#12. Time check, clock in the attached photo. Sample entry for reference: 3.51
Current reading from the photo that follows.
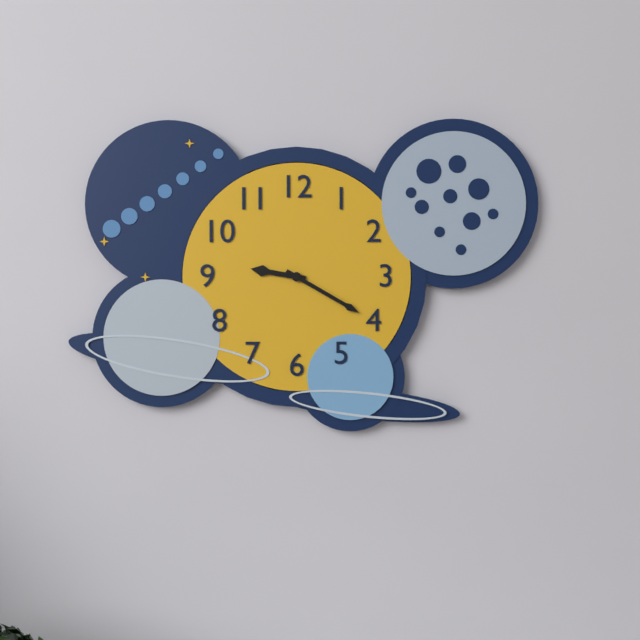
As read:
9.20
